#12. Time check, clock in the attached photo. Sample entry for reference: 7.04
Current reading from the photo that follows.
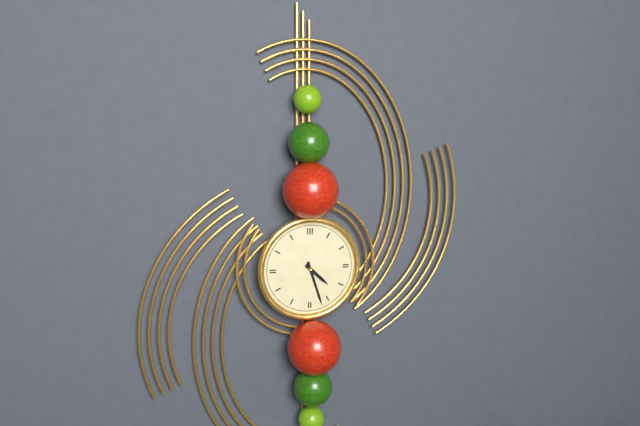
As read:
4.27
